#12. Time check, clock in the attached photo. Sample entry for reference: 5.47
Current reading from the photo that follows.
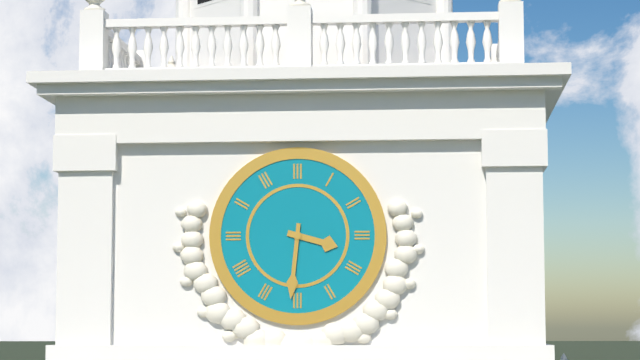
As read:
3.31
